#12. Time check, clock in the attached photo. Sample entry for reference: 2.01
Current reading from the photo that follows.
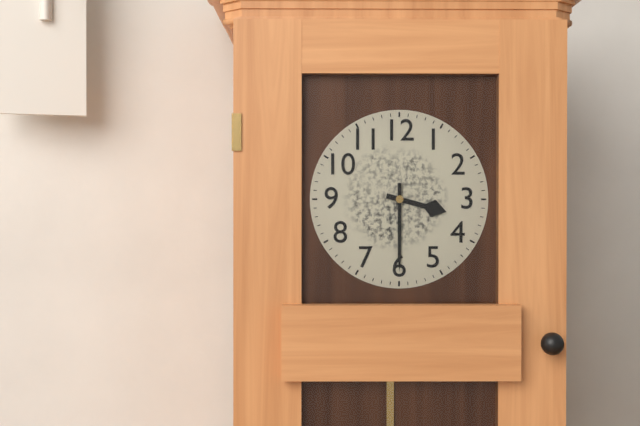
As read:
3.30
